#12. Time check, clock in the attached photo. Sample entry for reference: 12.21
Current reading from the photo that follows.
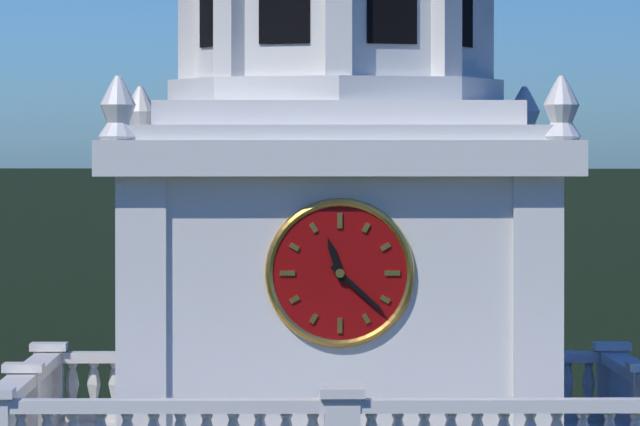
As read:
11.22
